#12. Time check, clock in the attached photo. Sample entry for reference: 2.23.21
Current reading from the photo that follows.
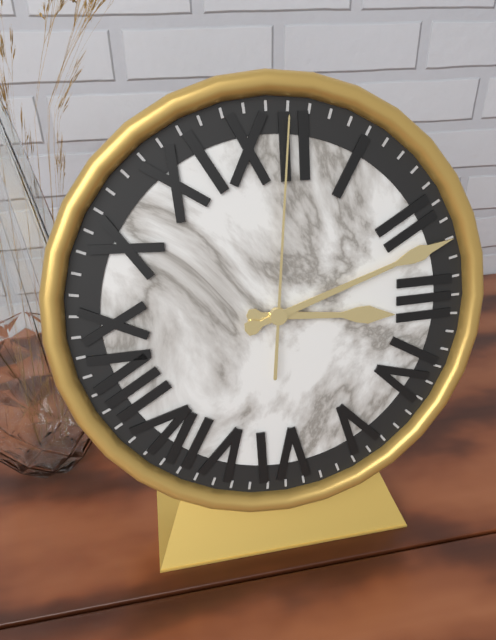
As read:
3.12.01
